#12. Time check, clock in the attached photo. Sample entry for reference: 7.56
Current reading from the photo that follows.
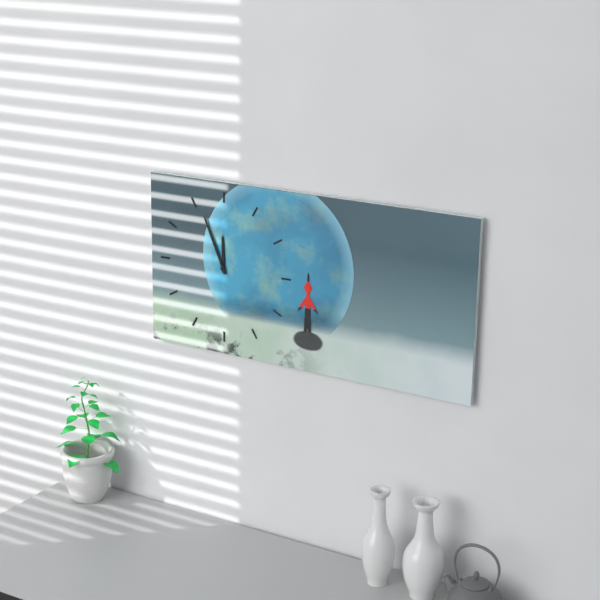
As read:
11.56
